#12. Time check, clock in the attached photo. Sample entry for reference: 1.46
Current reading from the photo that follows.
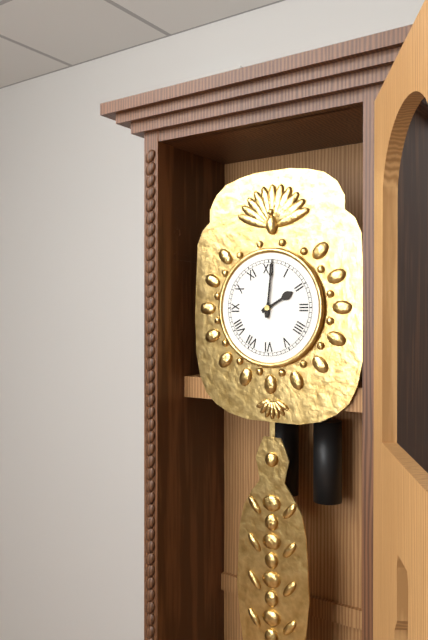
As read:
2.01
